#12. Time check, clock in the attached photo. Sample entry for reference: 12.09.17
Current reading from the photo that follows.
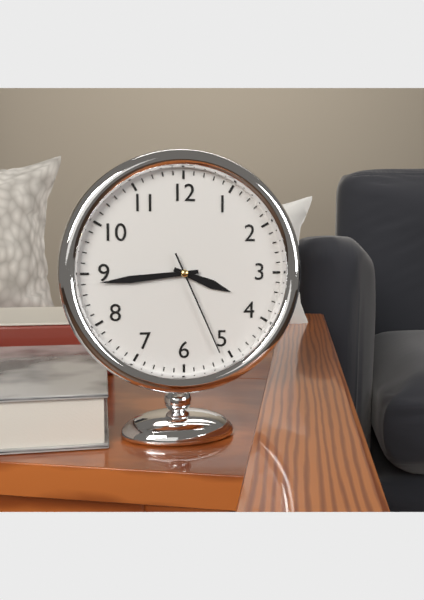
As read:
3.44.26
